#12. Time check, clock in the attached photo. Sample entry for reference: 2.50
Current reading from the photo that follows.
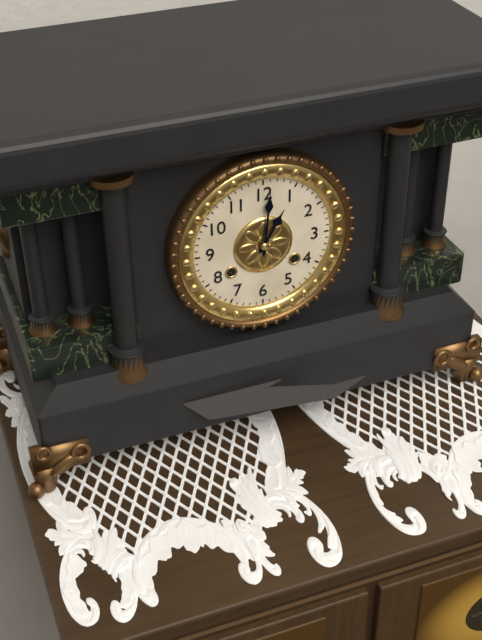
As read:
1.01
